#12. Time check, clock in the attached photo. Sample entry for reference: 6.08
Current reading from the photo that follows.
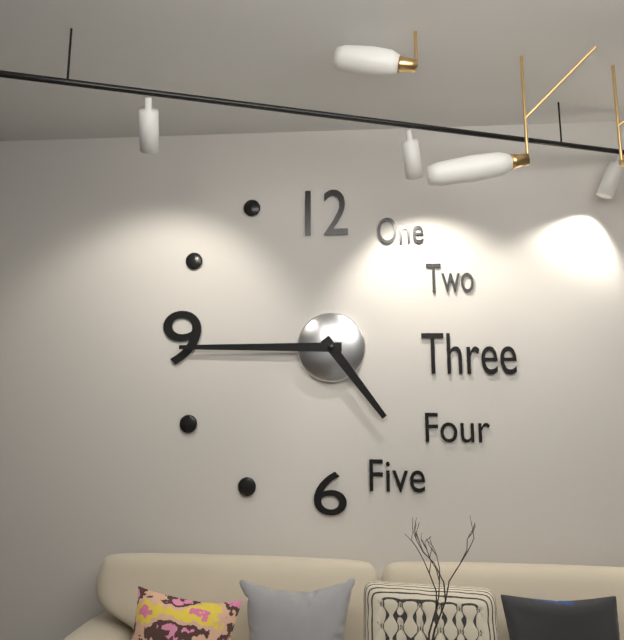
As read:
4.45
